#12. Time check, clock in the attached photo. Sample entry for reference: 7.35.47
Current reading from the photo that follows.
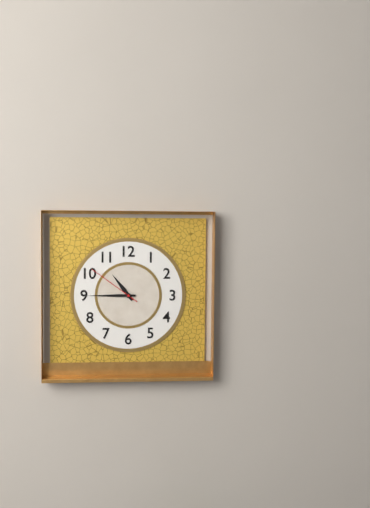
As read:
10.45.51
